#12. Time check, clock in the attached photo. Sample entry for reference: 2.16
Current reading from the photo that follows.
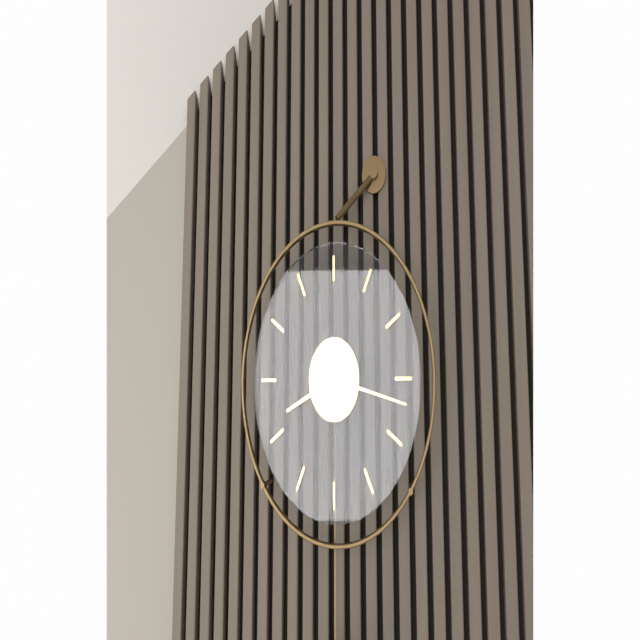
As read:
8.17
